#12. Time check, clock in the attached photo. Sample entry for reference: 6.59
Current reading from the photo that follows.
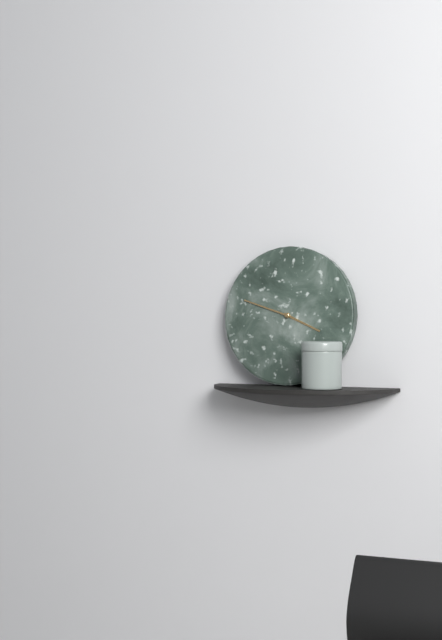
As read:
3.48
